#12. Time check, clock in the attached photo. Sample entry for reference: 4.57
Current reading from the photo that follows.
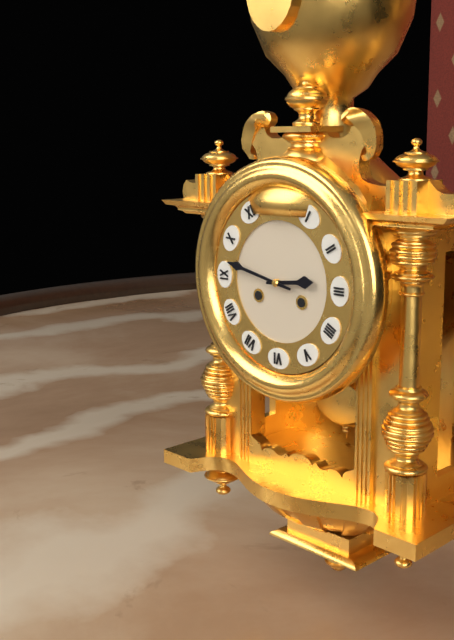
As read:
2.47
